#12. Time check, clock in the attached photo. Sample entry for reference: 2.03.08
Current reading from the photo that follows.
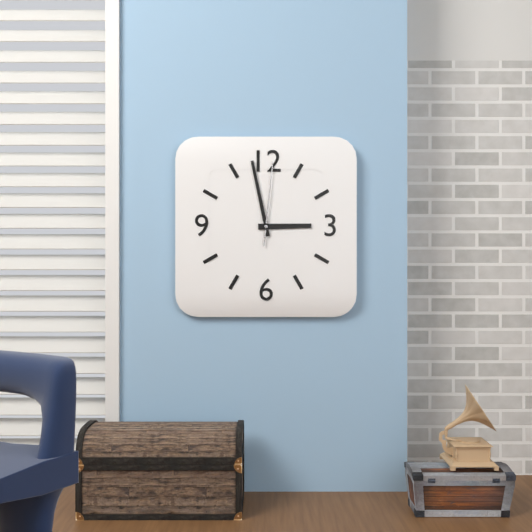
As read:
2.58.01
